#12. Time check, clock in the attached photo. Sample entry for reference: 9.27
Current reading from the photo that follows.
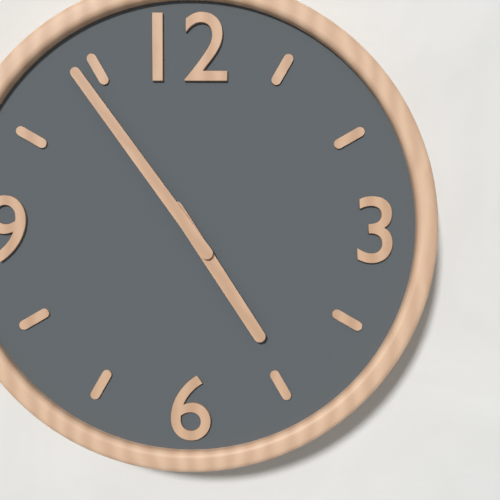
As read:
4.54
